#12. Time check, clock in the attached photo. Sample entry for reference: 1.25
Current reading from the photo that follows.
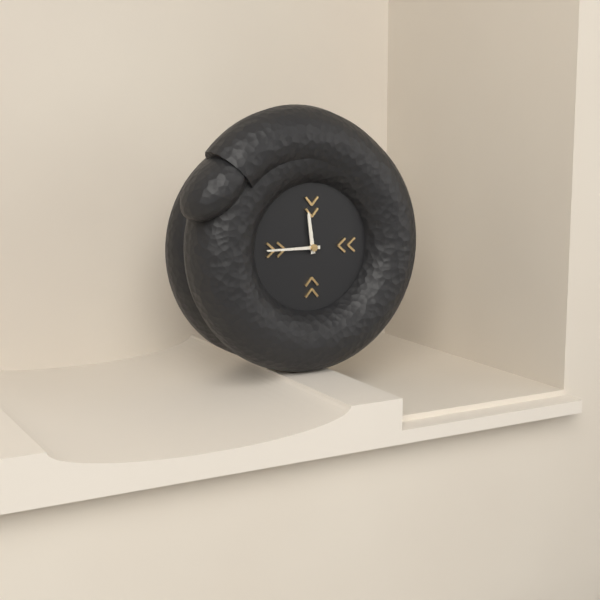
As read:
11.45
